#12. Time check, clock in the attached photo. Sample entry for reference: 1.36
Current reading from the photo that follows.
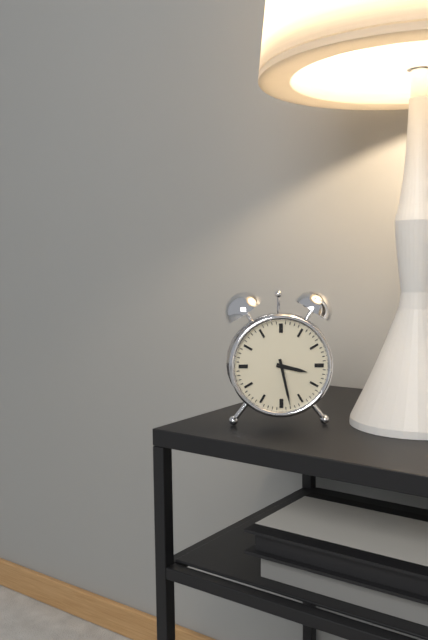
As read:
3.28
